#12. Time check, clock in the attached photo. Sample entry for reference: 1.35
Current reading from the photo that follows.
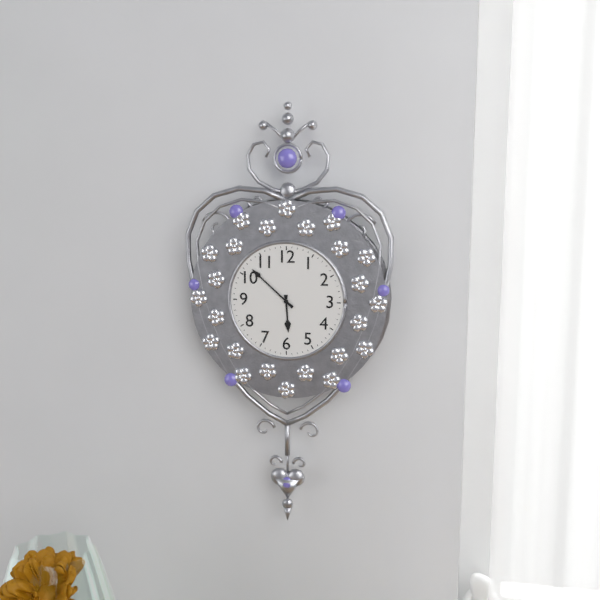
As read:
5.52
